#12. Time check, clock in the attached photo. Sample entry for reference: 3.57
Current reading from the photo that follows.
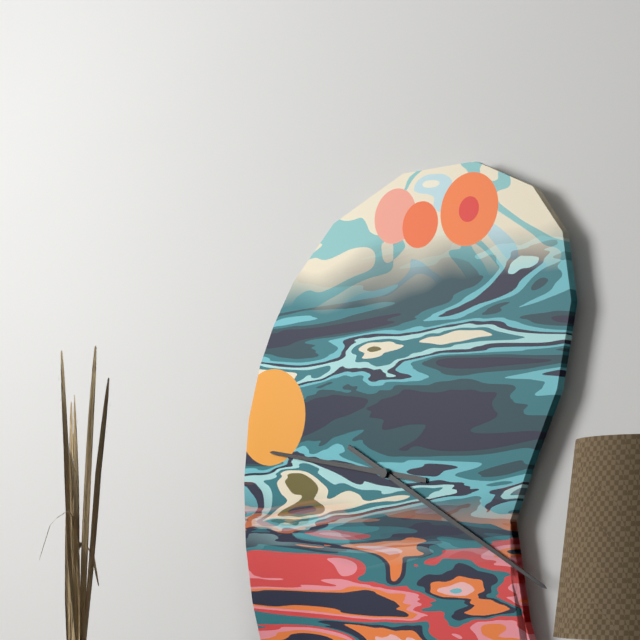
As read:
9.20
